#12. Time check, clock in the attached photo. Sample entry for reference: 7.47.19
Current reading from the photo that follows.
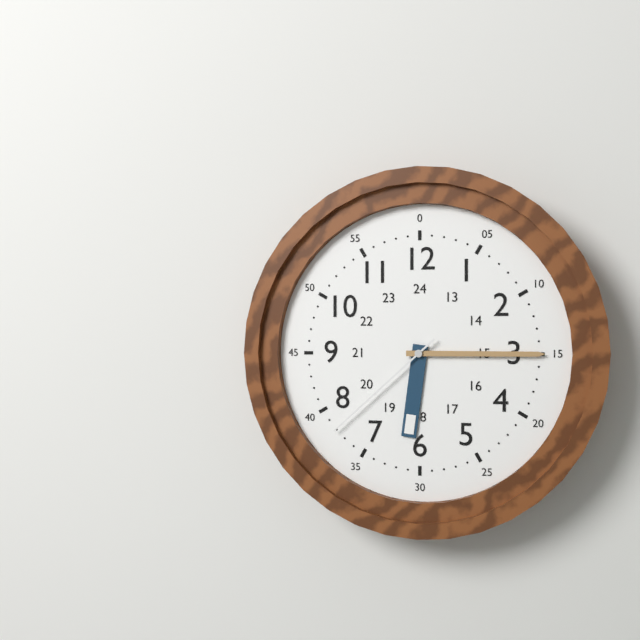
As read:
6.15.38
